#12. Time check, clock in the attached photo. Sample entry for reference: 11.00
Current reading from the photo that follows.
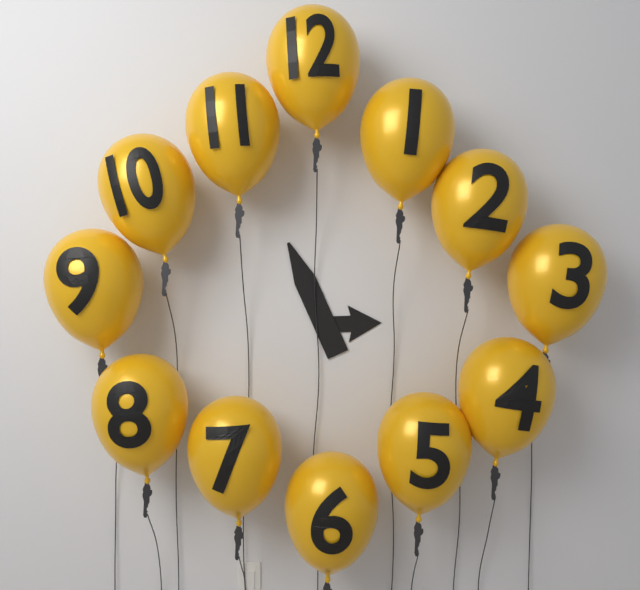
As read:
2.56
